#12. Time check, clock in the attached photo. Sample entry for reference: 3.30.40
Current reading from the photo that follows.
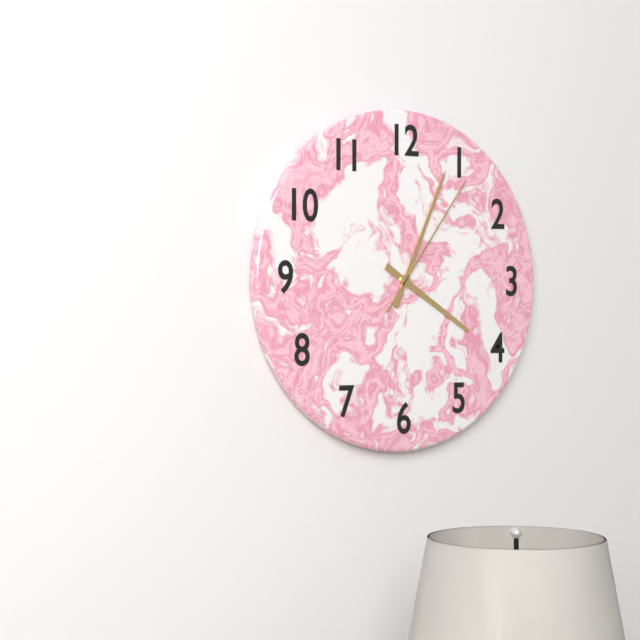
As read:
4.04.06
